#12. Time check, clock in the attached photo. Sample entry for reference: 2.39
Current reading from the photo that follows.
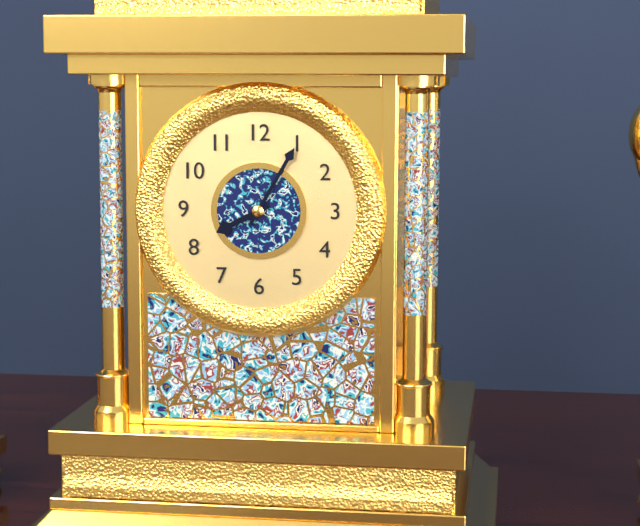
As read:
8.05
